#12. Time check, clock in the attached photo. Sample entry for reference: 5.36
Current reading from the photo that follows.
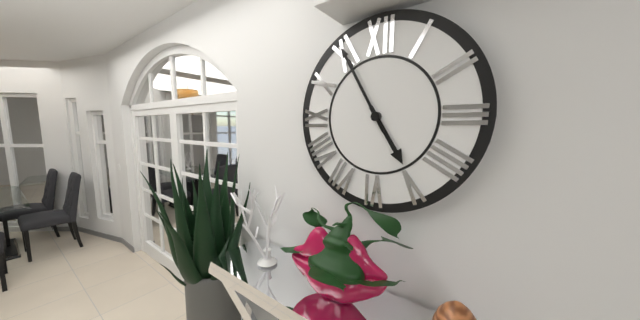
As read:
4.55
